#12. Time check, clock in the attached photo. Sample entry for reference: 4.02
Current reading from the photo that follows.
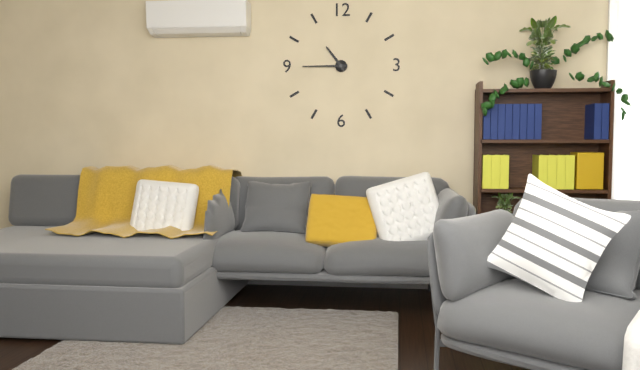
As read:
10.45
